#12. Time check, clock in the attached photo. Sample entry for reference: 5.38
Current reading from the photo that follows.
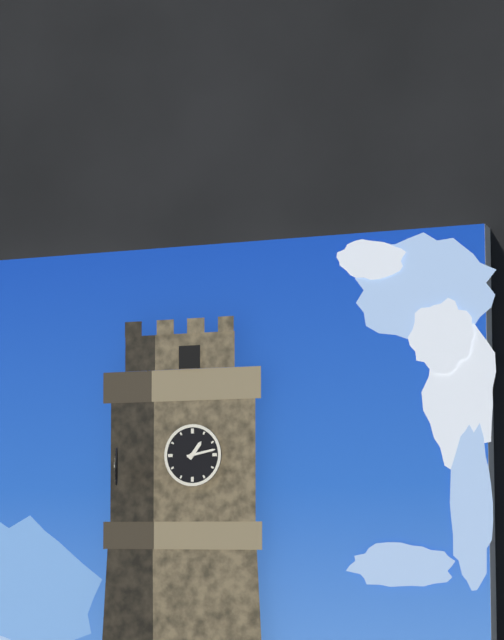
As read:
1.13
